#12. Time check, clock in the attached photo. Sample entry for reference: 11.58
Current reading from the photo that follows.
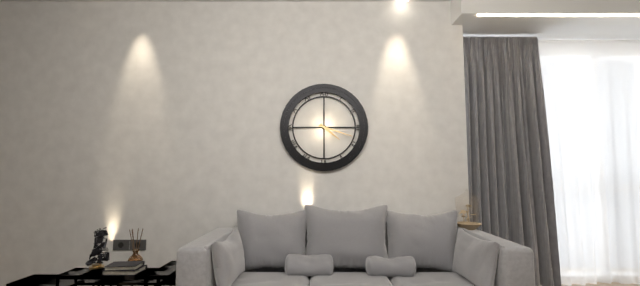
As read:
4.18
